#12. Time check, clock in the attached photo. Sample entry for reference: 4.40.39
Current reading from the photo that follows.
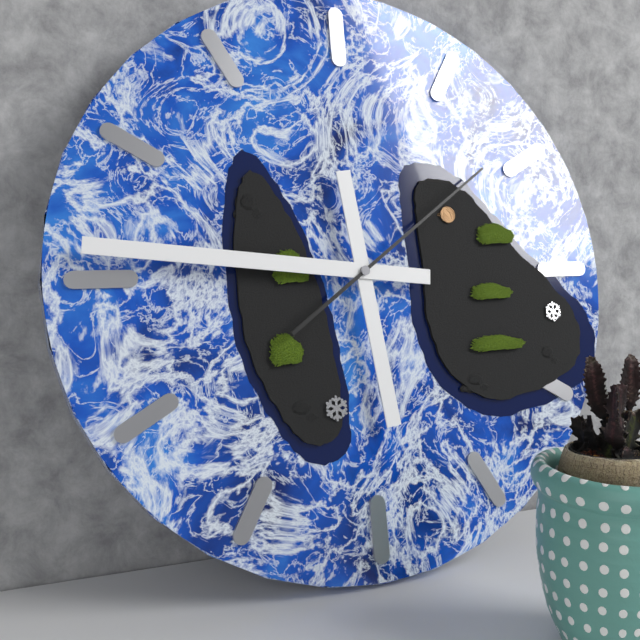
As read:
5.46.09
